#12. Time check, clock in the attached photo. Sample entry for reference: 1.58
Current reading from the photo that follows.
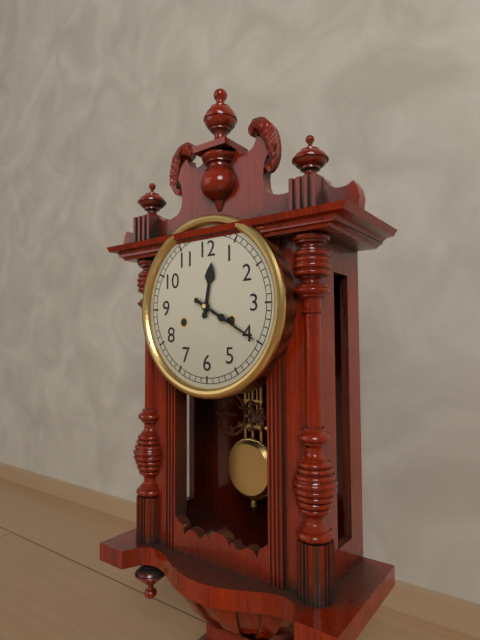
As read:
12.20
